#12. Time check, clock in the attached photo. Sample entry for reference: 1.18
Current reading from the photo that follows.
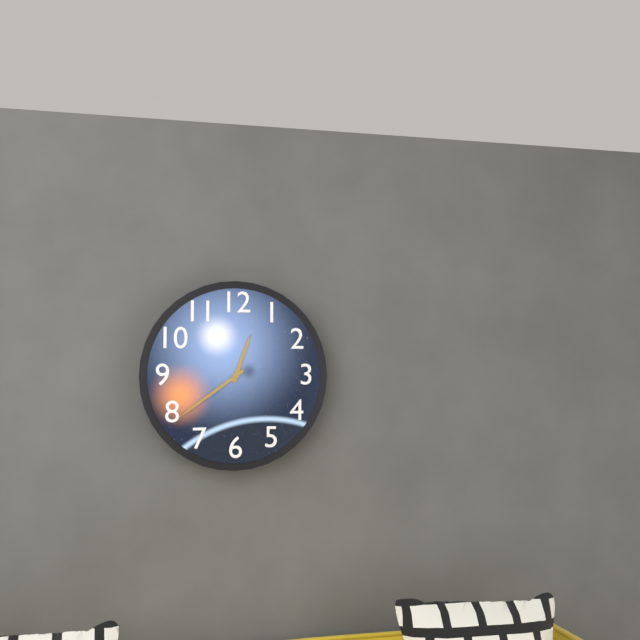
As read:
12.39
